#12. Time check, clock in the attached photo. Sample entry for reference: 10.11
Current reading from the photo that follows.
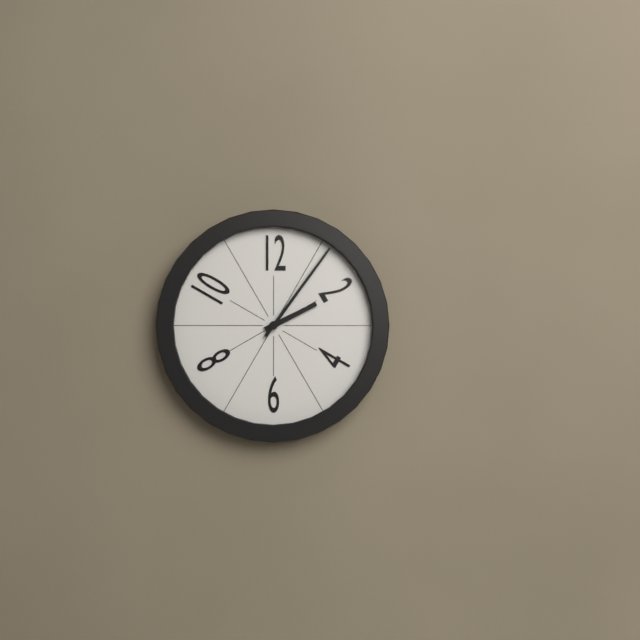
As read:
2.06
